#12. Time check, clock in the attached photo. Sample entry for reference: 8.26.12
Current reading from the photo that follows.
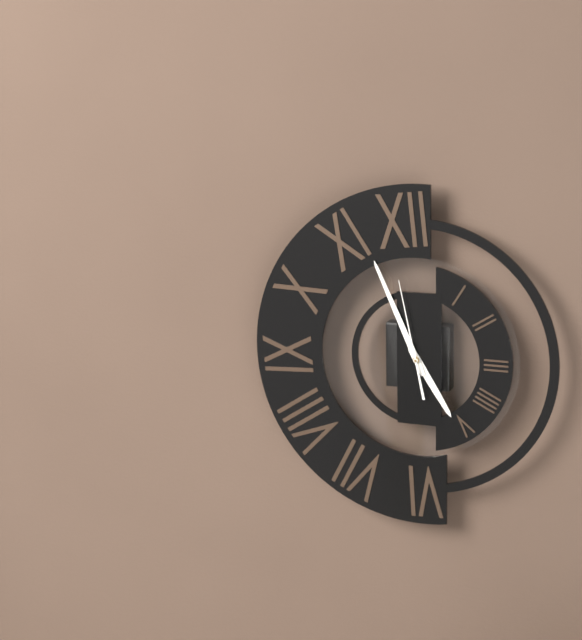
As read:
4.56.58
